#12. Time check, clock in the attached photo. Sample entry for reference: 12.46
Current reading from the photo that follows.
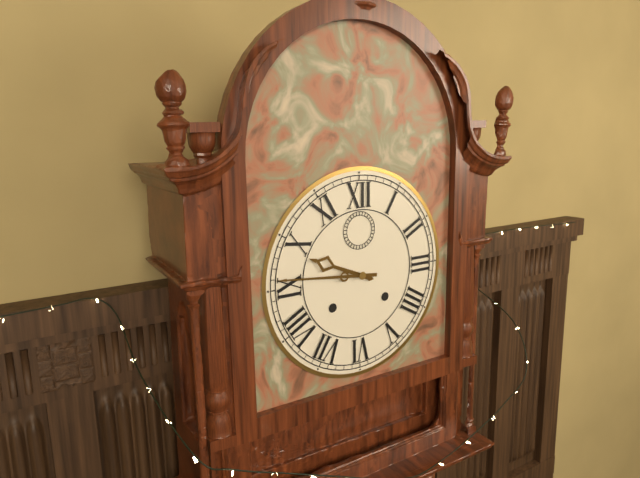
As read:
9.46
